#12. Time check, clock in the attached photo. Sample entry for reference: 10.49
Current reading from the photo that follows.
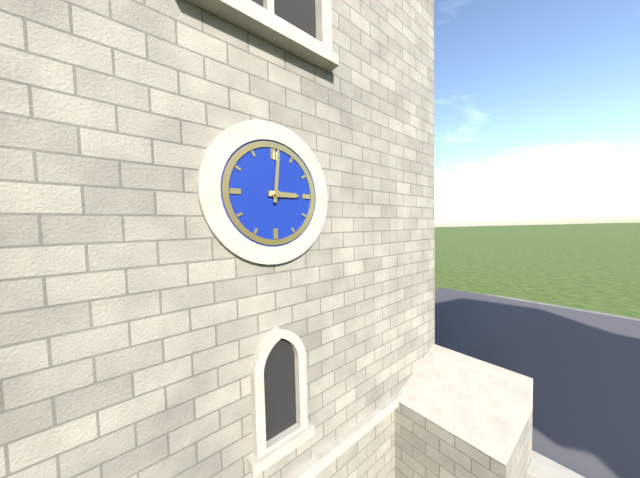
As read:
3.01
